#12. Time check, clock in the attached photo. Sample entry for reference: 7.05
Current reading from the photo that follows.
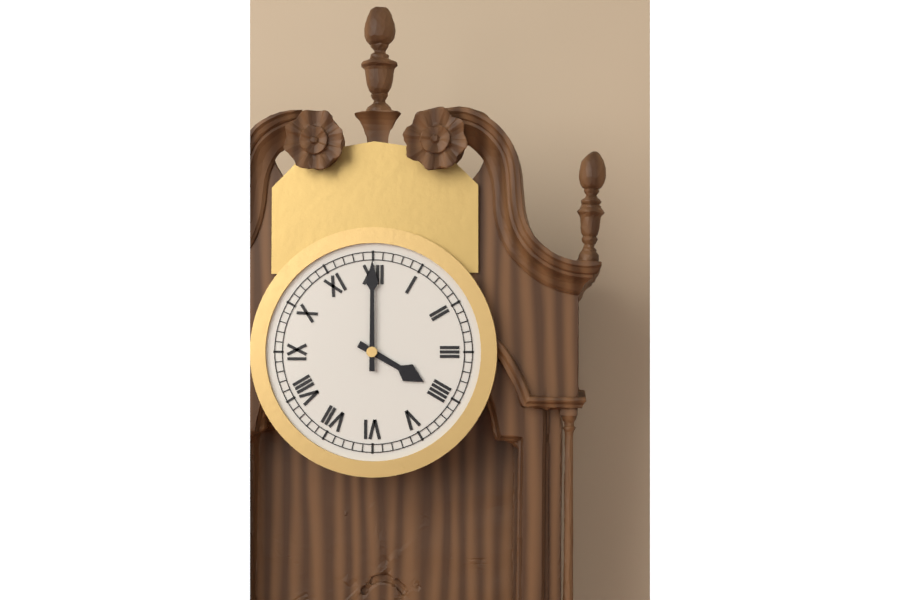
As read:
4.00
